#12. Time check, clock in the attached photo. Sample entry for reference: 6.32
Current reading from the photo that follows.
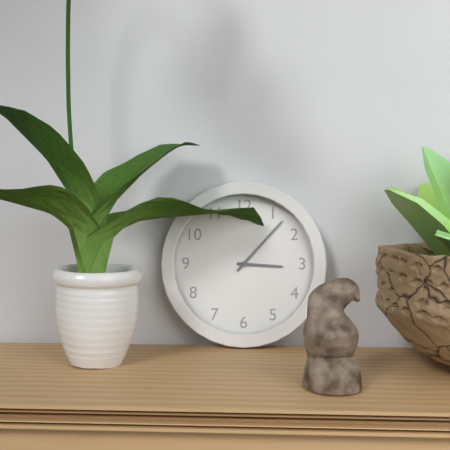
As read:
3.07
